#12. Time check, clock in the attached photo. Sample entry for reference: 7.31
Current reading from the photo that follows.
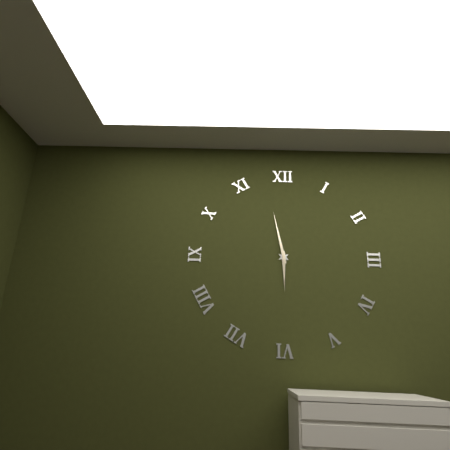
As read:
5.58
